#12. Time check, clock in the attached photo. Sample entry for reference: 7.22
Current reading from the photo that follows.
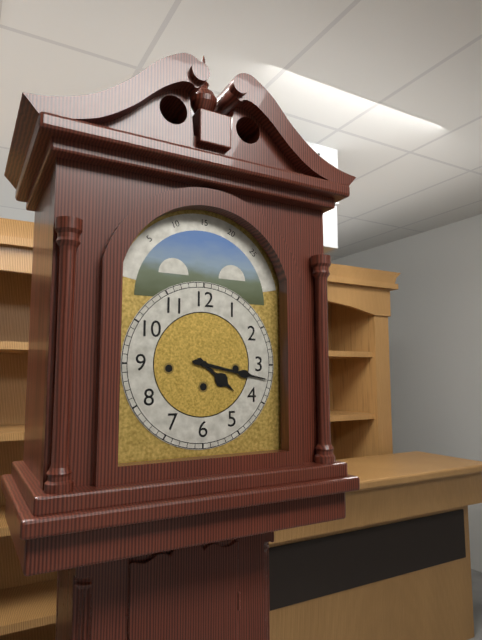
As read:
4.17
